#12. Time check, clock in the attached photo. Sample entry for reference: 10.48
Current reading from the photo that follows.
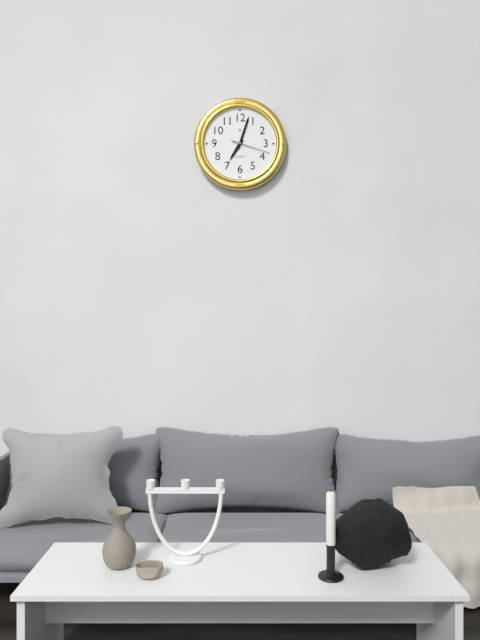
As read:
7.03
